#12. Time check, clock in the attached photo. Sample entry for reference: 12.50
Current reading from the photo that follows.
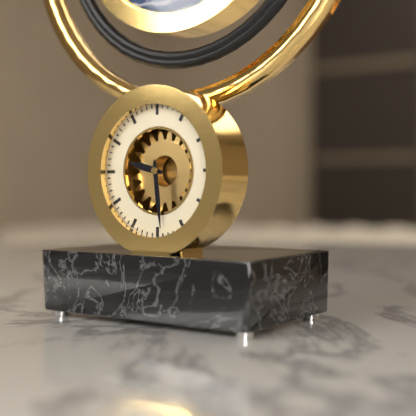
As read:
9.29
